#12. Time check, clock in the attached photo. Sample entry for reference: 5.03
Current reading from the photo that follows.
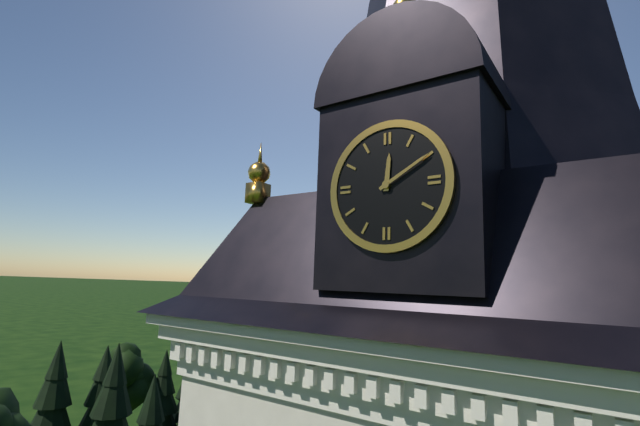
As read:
12.10
